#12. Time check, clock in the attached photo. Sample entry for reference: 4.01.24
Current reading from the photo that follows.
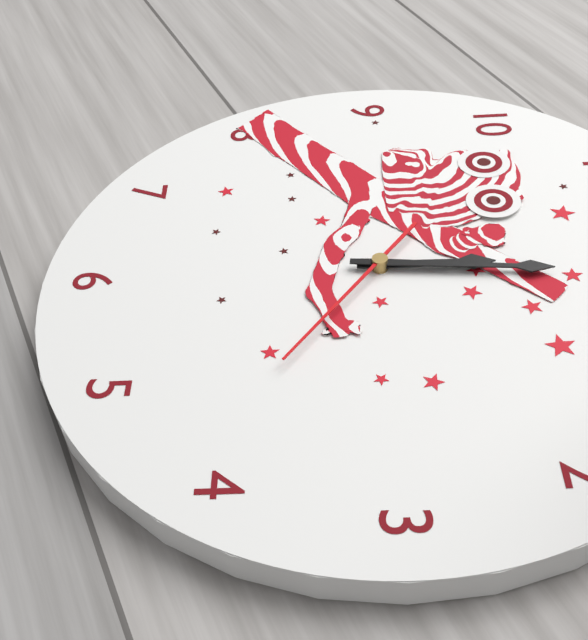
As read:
12.01.21
